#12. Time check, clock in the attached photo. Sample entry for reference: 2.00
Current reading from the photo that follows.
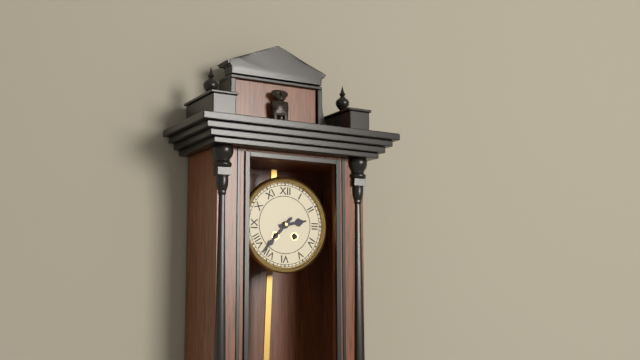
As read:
2.37
